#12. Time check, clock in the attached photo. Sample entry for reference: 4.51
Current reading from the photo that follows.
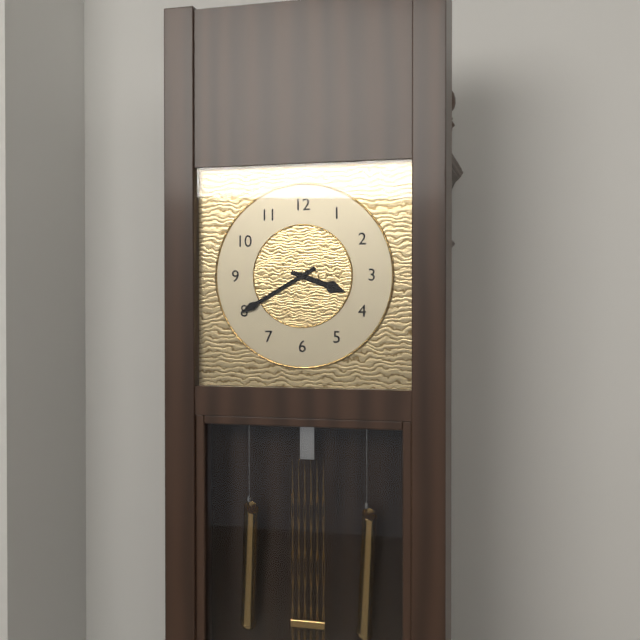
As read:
3.40
